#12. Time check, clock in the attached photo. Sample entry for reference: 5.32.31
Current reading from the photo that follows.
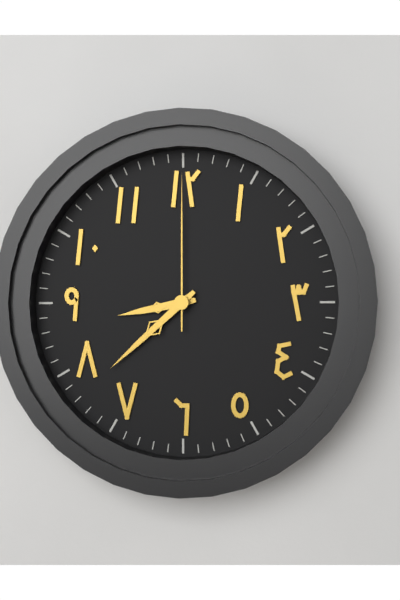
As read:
8.38.00
